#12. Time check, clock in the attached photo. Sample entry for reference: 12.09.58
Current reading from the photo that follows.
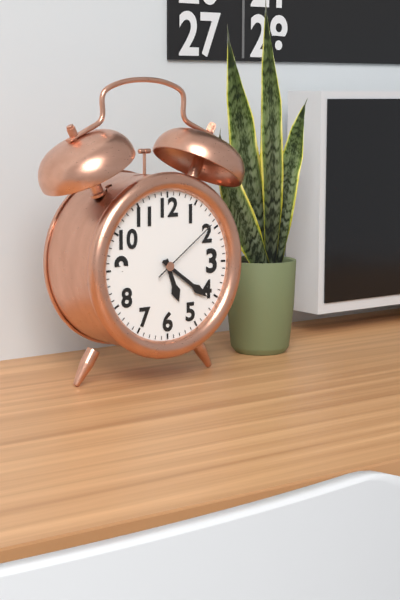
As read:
5.21.09
